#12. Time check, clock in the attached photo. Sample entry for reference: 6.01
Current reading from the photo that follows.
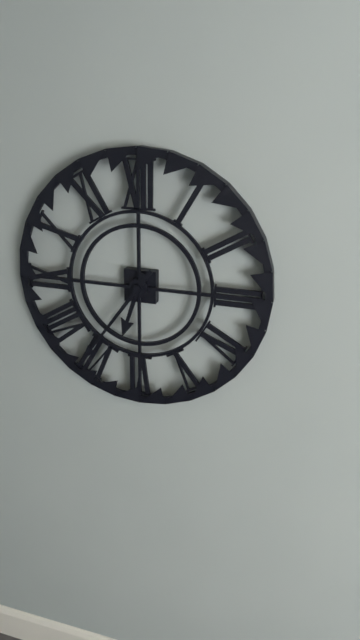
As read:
6.36
